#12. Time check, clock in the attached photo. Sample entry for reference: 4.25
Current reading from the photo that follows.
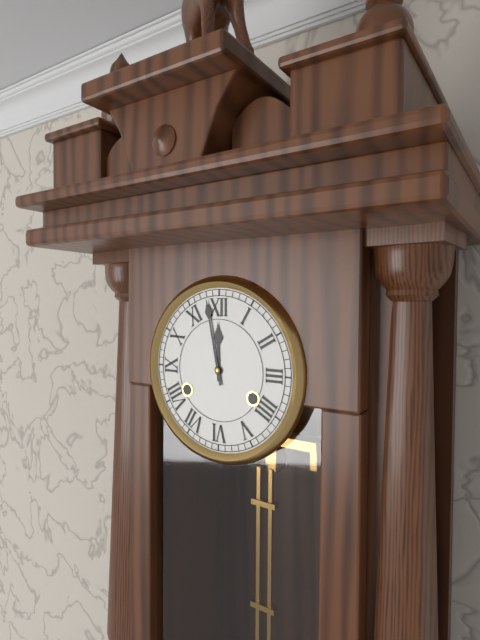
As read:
11.58
